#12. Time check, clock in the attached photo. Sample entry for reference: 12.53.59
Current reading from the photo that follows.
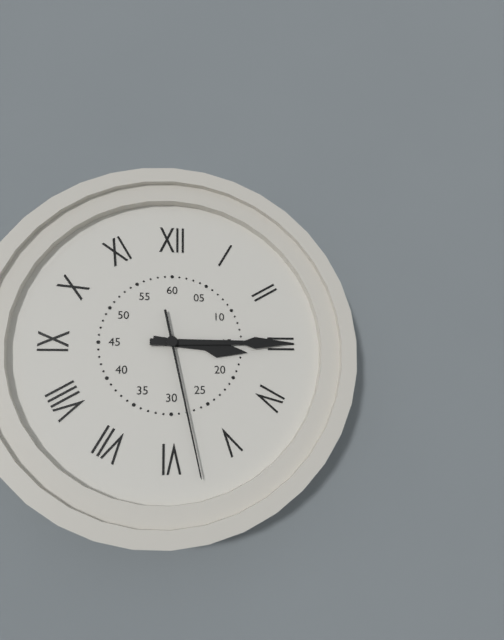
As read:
3.15.28
